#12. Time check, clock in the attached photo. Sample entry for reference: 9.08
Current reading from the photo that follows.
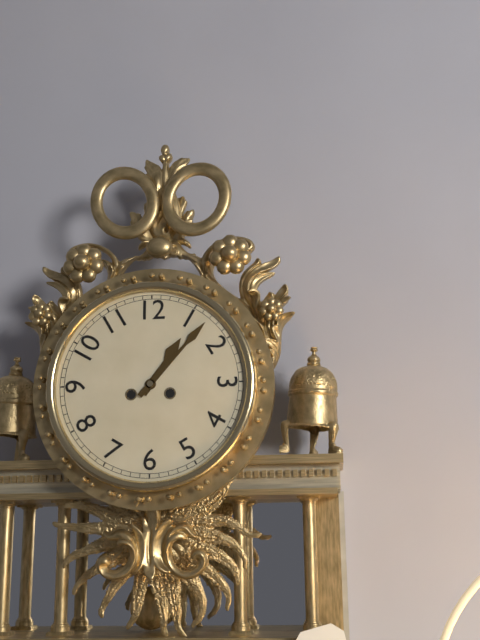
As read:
1.07
